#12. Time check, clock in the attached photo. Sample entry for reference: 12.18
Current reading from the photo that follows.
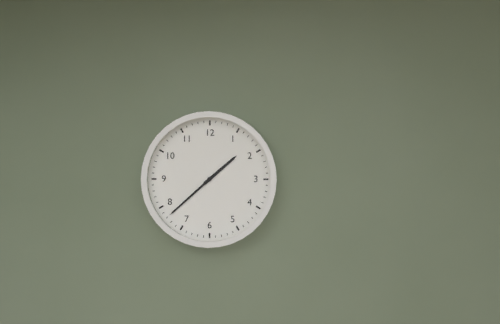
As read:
1.38
